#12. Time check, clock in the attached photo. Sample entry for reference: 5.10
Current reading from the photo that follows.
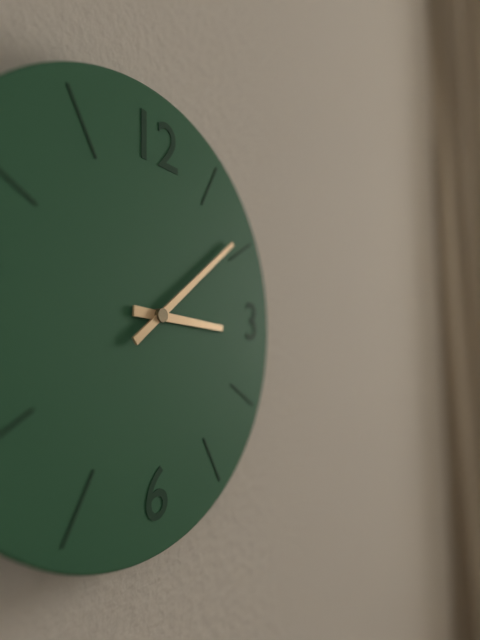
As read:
3.09
